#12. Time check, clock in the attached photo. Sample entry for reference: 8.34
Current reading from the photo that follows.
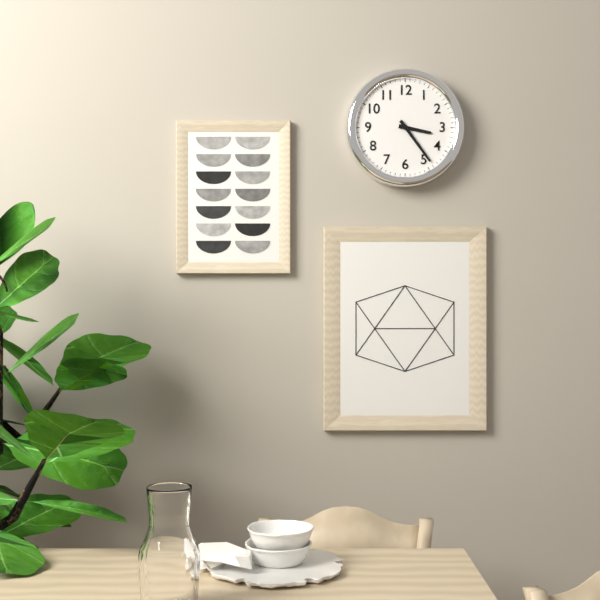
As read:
3.24
